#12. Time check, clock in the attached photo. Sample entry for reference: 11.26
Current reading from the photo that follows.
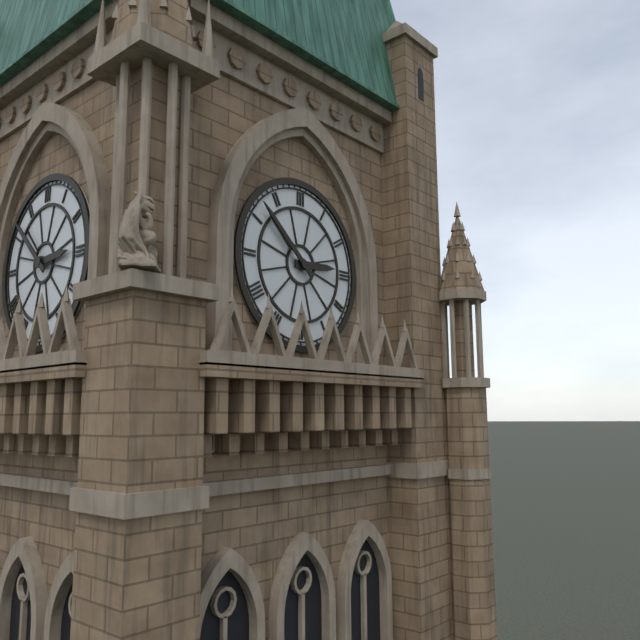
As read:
2.52
